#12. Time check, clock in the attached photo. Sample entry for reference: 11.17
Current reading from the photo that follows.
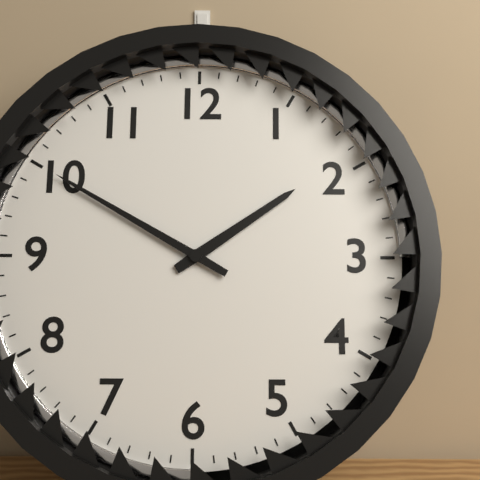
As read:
1.50
